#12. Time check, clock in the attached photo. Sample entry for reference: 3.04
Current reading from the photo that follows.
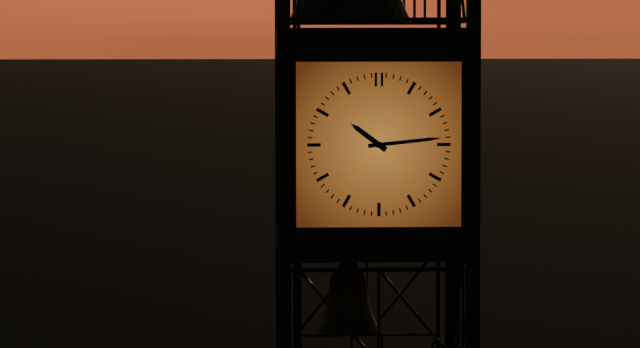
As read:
10.14
